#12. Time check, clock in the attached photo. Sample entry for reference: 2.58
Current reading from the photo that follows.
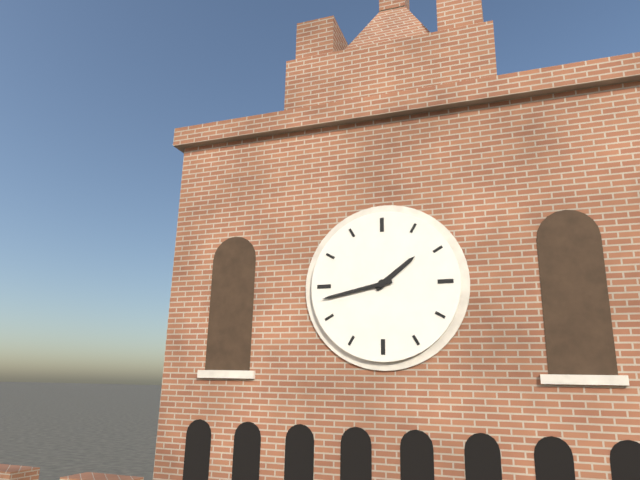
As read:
1.43
